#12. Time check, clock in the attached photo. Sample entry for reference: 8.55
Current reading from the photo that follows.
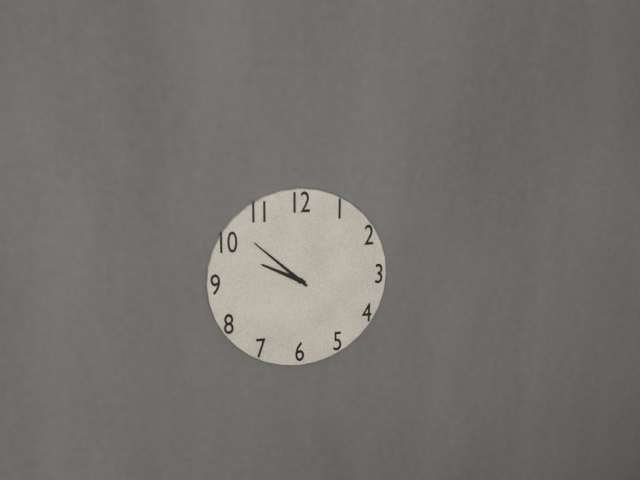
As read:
9.52
